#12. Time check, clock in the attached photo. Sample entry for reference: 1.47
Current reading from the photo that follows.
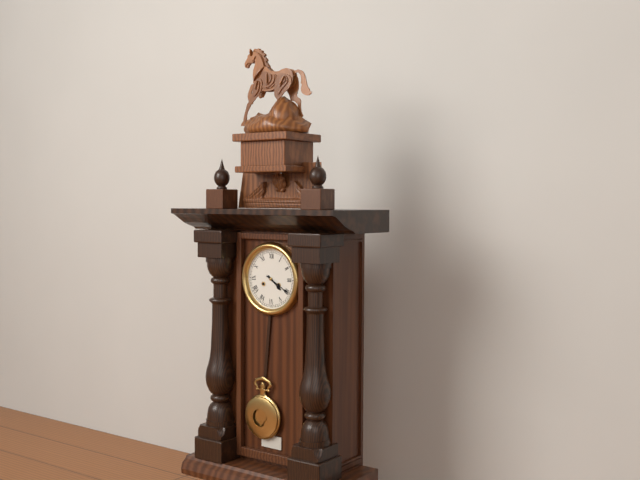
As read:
4.20
